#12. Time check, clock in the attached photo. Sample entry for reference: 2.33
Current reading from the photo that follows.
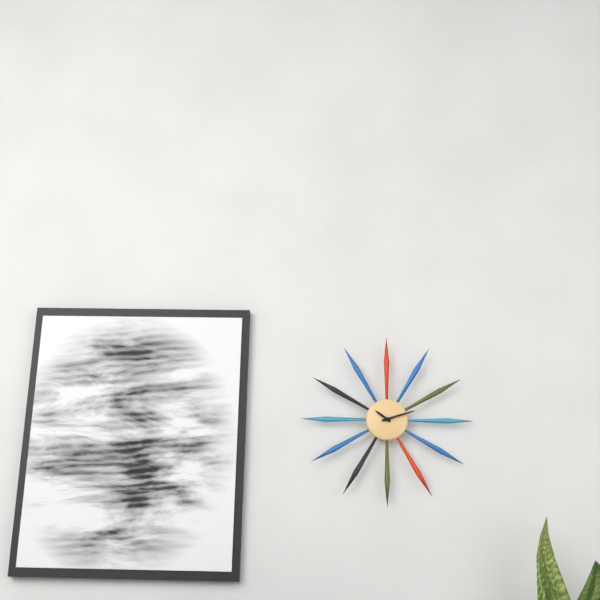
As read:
10.12
